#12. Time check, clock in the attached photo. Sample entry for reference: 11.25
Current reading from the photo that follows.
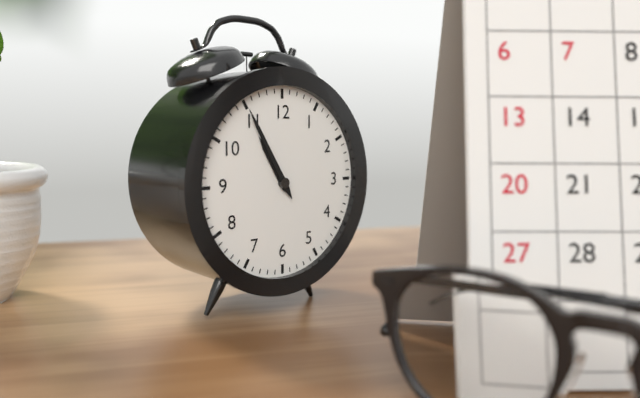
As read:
10.55
